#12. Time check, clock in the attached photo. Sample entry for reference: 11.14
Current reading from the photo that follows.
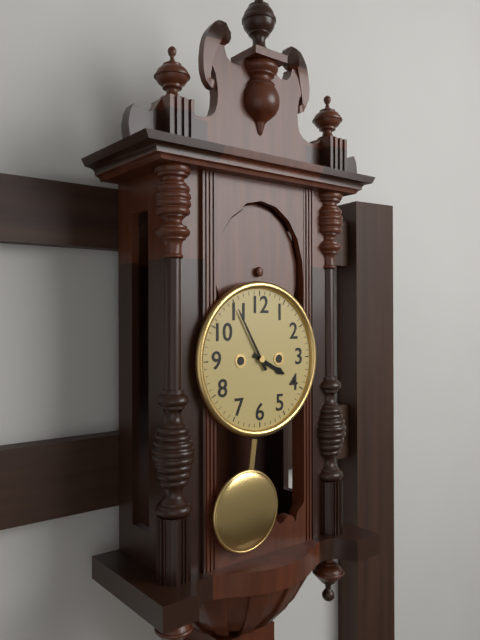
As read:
3.55
